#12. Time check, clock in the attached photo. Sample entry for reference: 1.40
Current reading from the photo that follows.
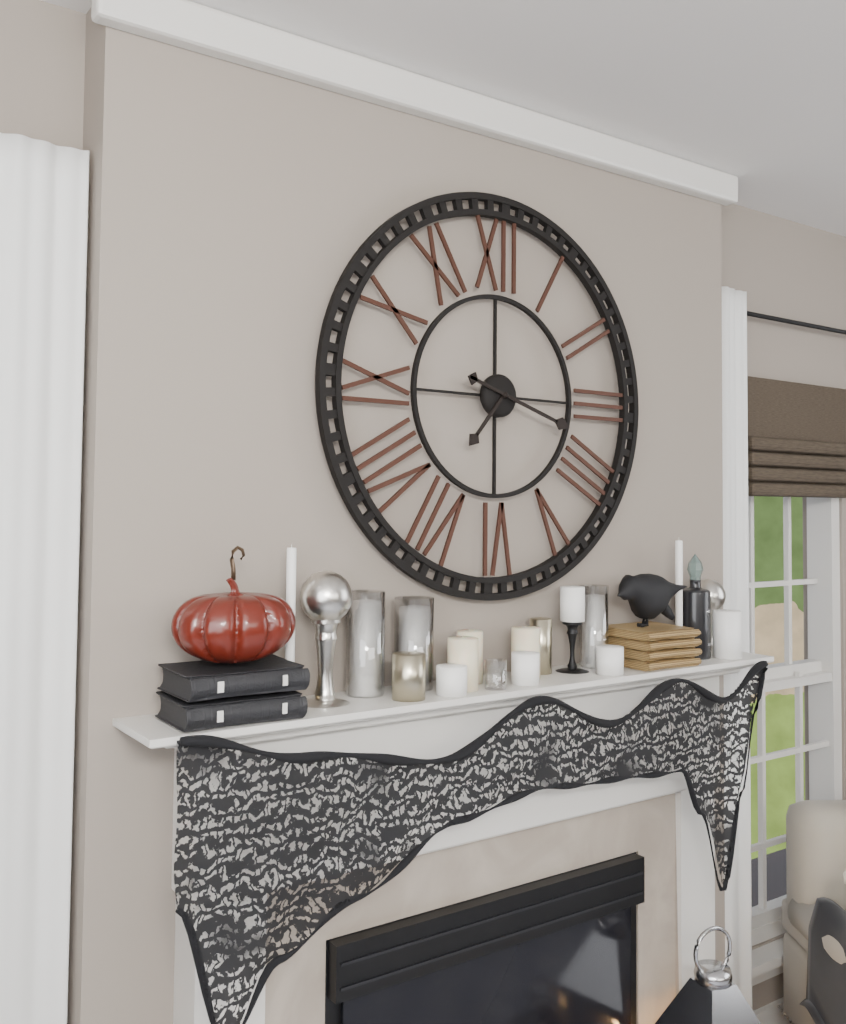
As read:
7.18
